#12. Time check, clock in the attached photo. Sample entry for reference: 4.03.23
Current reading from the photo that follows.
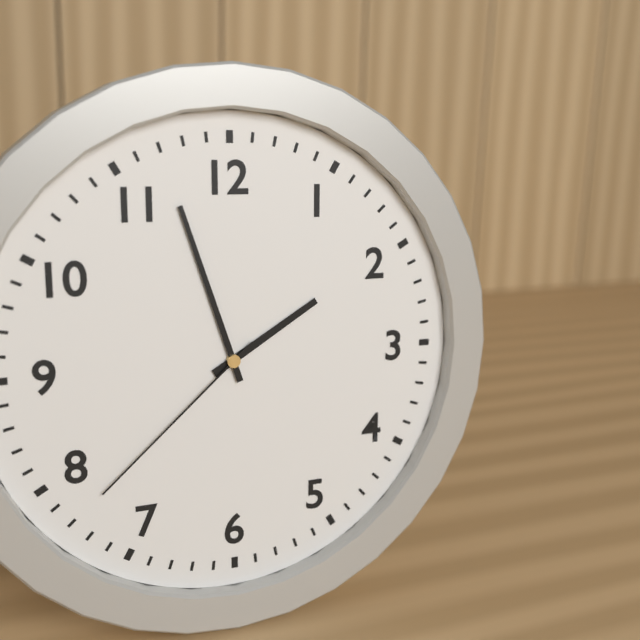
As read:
1.57.38
